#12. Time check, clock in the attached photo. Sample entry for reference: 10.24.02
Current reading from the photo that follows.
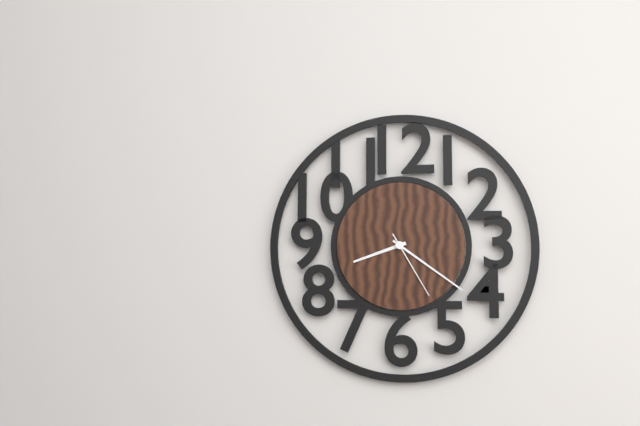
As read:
8.21.25
